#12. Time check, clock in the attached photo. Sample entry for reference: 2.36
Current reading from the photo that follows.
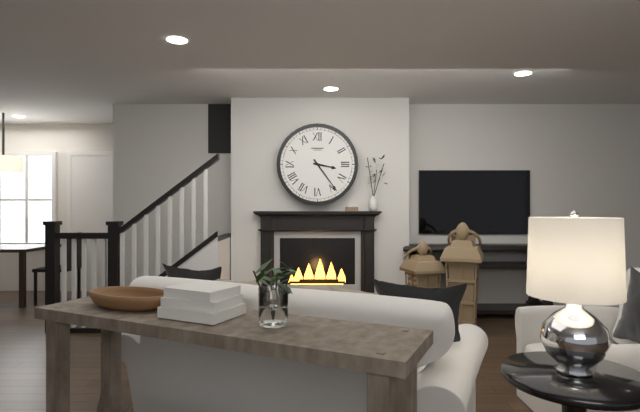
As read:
3.24
